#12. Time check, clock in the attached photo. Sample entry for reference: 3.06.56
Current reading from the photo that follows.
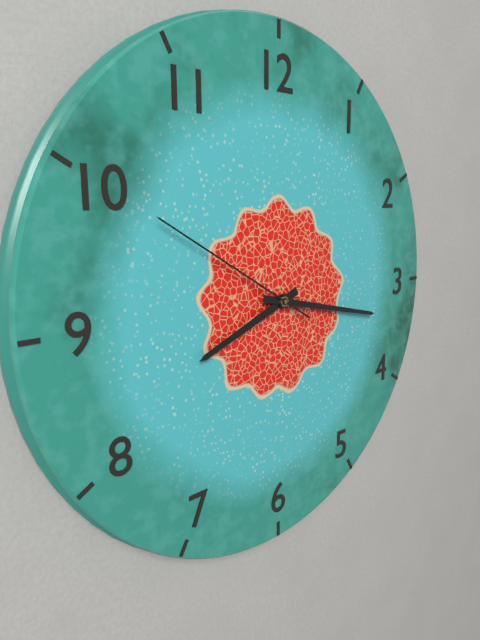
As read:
8.17.50
